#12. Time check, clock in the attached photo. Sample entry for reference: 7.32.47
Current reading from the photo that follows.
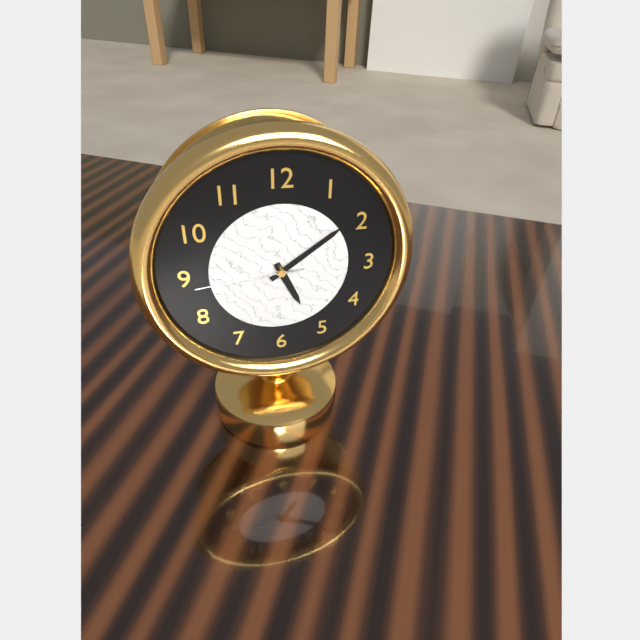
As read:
5.09.44
